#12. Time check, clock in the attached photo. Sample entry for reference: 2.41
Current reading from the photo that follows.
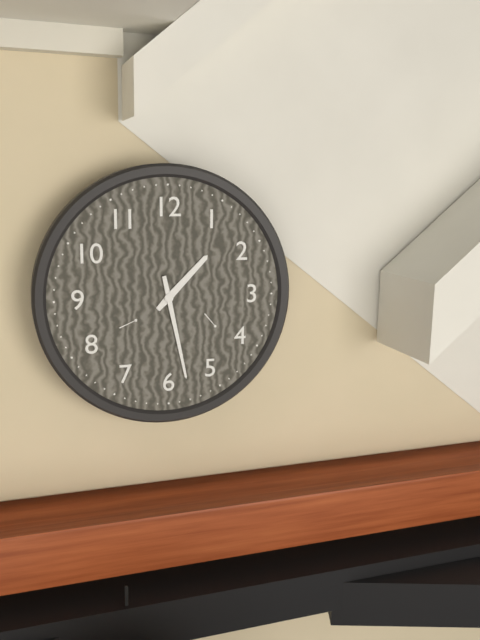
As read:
1.28
